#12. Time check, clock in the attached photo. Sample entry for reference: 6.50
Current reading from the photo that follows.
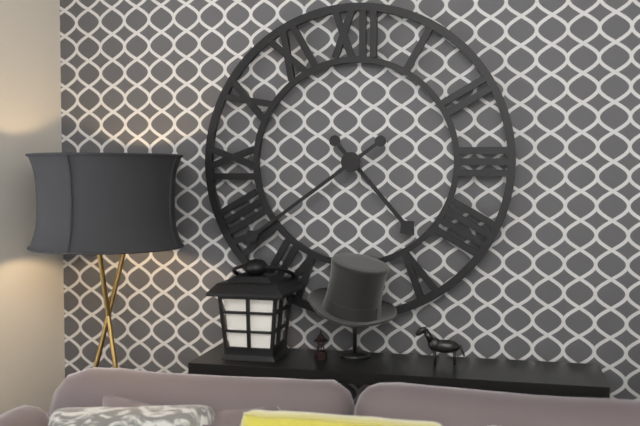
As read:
4.39
